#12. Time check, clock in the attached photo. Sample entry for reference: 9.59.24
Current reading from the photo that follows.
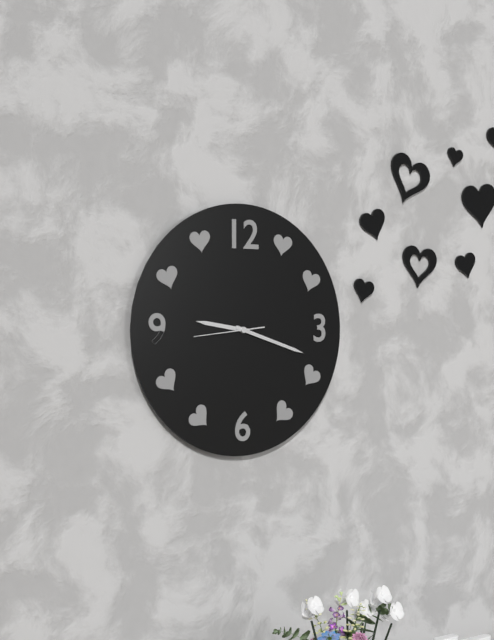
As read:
9.18.44
